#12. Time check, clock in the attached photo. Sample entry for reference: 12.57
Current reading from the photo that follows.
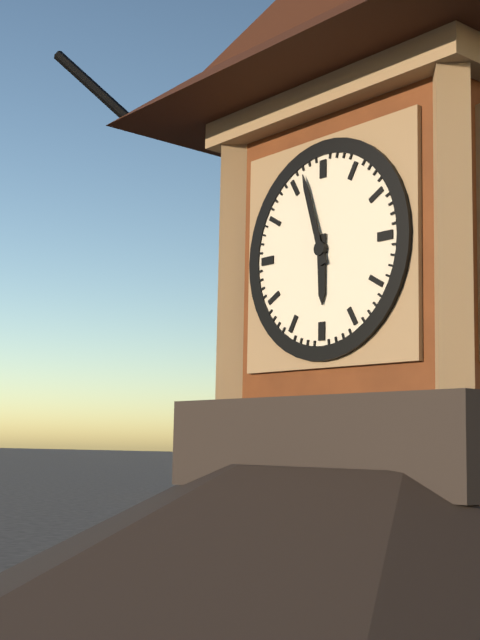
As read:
5.57
